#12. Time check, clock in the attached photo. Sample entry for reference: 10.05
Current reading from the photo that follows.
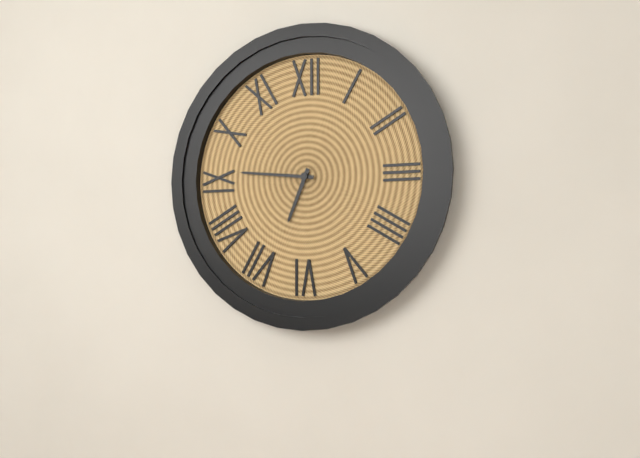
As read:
6.46
